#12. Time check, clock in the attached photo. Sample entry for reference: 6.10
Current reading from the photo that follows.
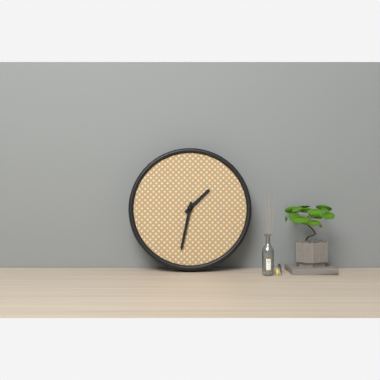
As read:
1.32
